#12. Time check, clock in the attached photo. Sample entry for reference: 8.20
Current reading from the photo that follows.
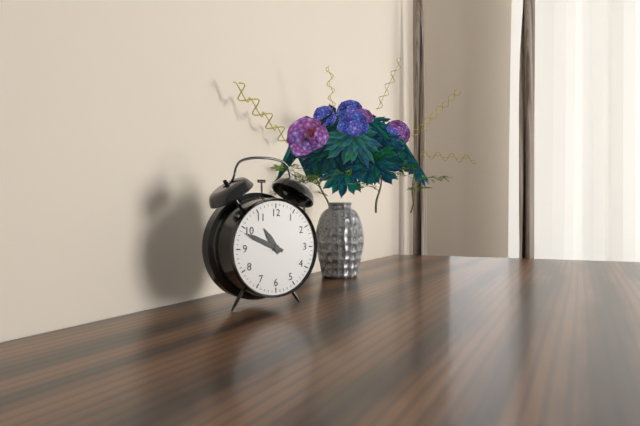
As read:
10.49
